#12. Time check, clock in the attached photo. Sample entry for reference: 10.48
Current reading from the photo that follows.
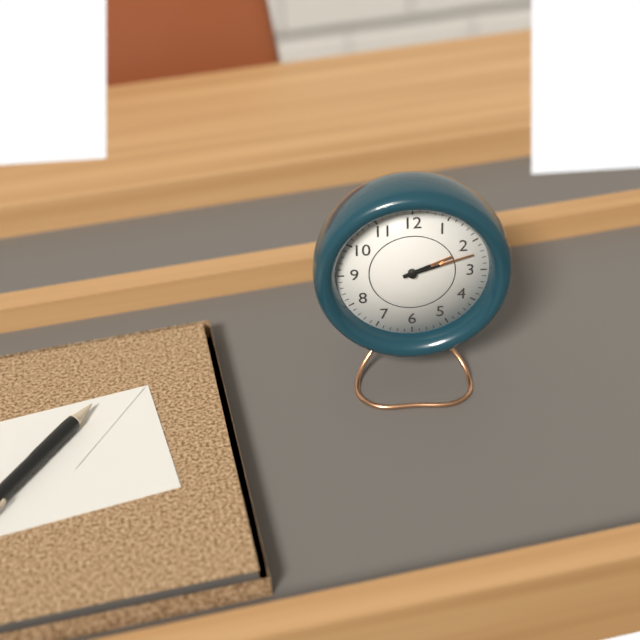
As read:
2.12
